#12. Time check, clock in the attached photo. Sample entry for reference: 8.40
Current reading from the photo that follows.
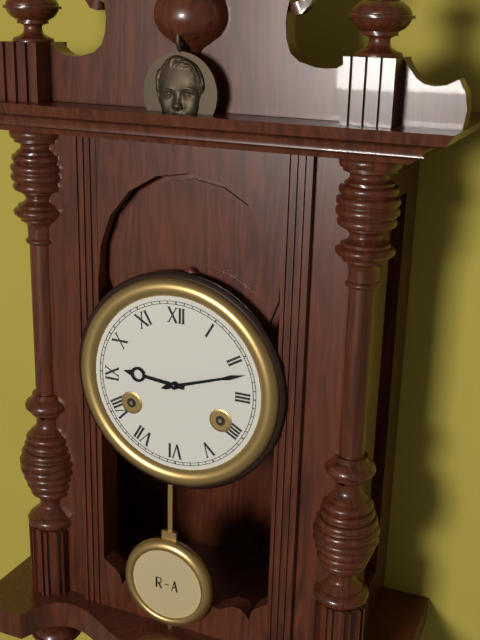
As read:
9.12
